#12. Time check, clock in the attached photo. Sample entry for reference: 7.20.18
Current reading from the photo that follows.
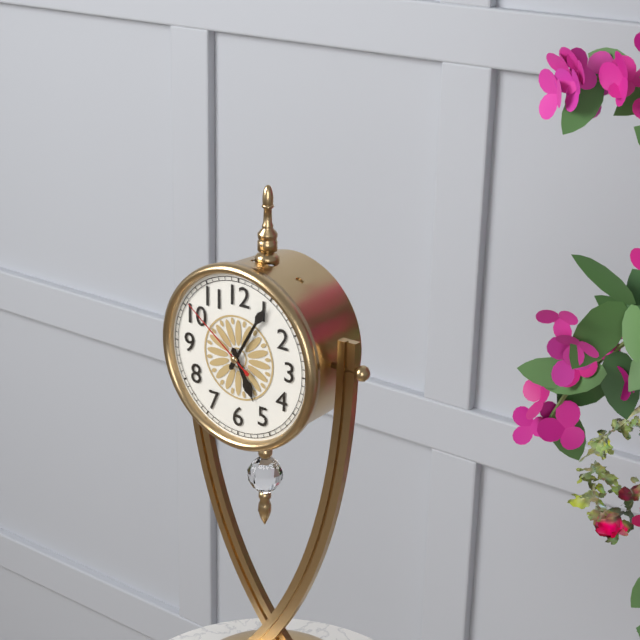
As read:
5.05.51
